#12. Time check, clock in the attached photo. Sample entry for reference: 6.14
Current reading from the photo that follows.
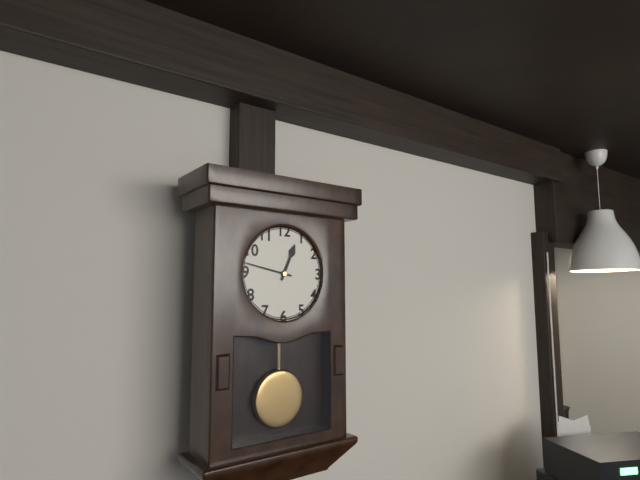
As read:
12.47
